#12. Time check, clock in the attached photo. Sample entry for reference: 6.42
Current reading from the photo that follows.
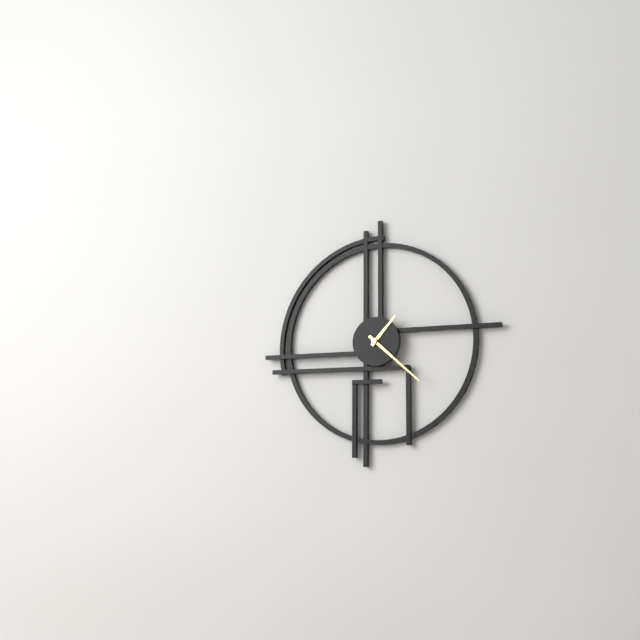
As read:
1.22
